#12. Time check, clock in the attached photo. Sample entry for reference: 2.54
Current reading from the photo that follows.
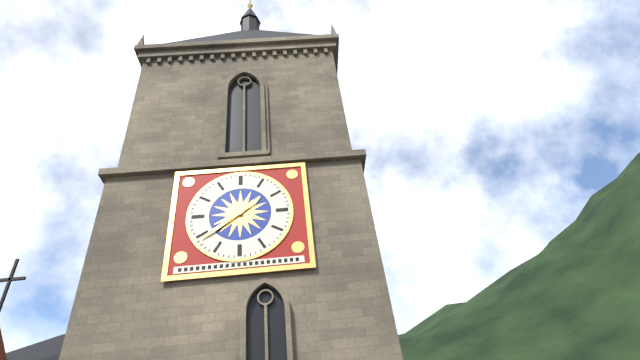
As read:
1.39
